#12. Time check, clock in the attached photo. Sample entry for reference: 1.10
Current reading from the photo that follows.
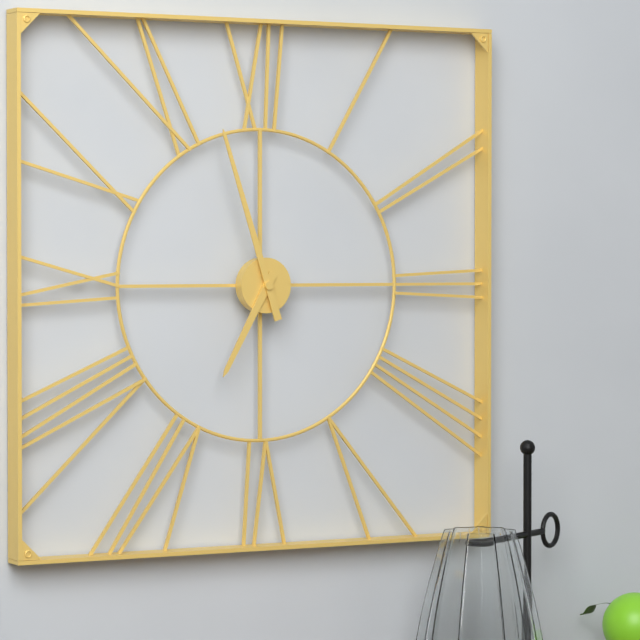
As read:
6.57
